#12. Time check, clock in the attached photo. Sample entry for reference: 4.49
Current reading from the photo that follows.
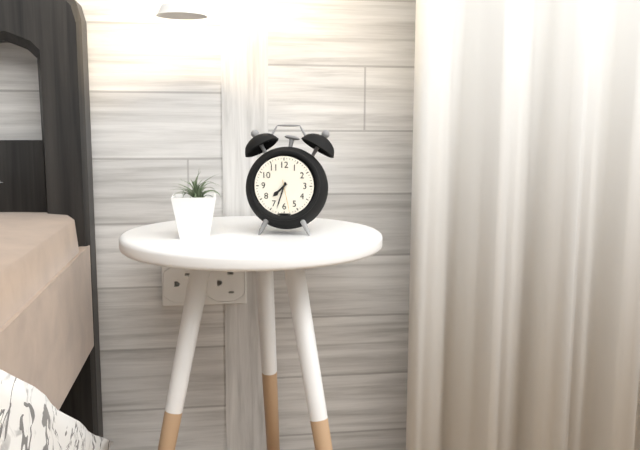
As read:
7.33
